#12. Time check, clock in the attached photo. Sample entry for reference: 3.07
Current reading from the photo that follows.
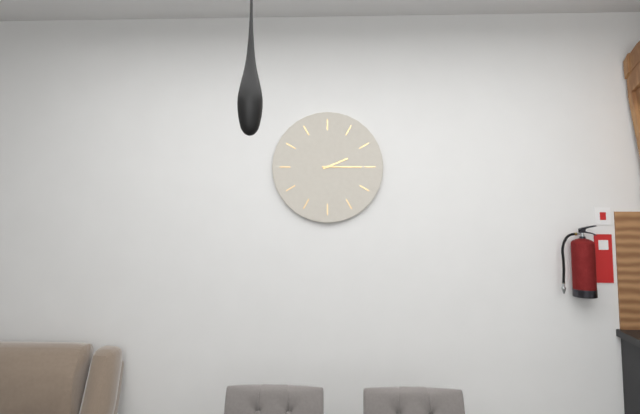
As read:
2.15
